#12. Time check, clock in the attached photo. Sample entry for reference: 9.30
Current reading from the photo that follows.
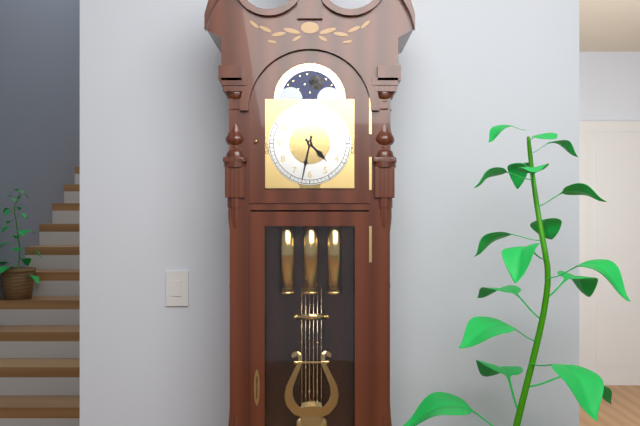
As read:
4.32
